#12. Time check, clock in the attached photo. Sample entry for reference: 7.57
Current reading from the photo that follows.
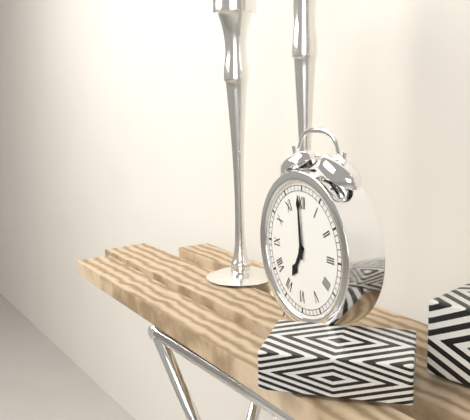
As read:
6.59
